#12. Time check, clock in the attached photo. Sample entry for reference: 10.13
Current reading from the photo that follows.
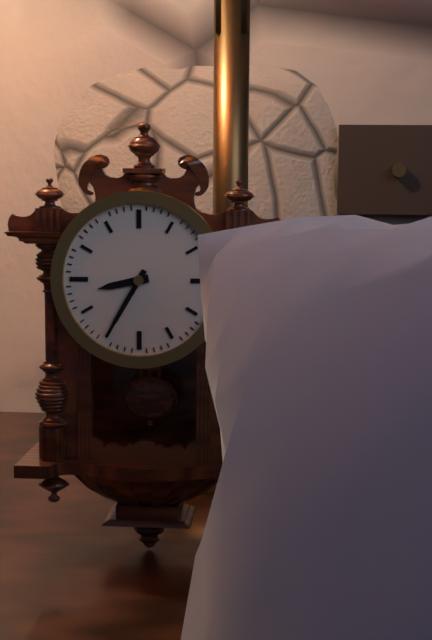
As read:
8.35
